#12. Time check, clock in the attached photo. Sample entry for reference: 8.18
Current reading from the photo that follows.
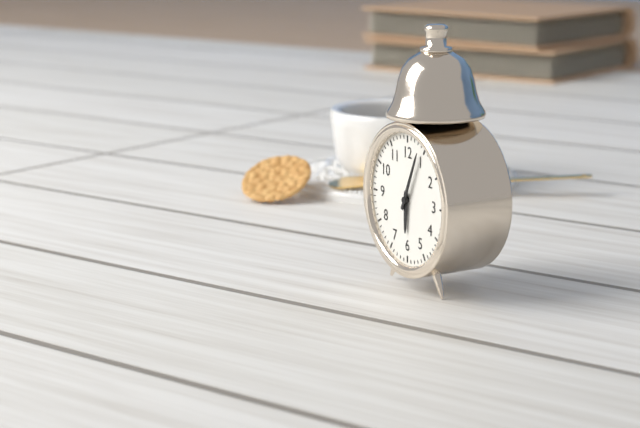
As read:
6.04
